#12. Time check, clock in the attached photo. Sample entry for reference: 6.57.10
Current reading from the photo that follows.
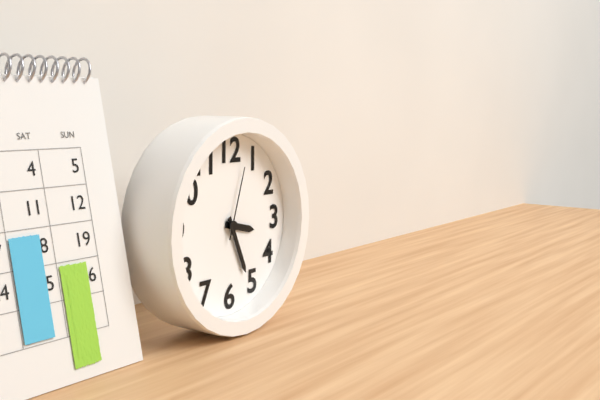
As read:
3.26.03
